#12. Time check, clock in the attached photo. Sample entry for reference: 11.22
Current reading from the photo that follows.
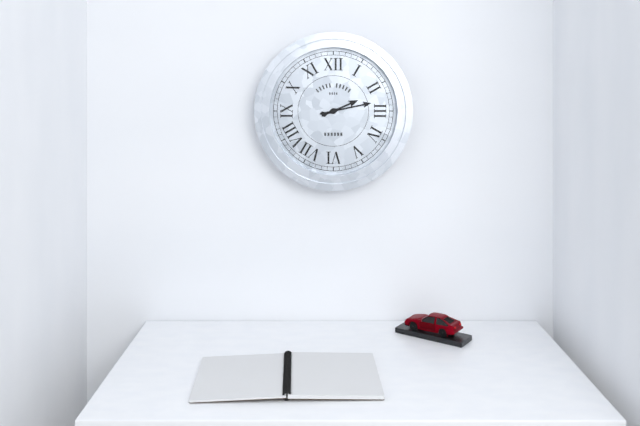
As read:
2.13
